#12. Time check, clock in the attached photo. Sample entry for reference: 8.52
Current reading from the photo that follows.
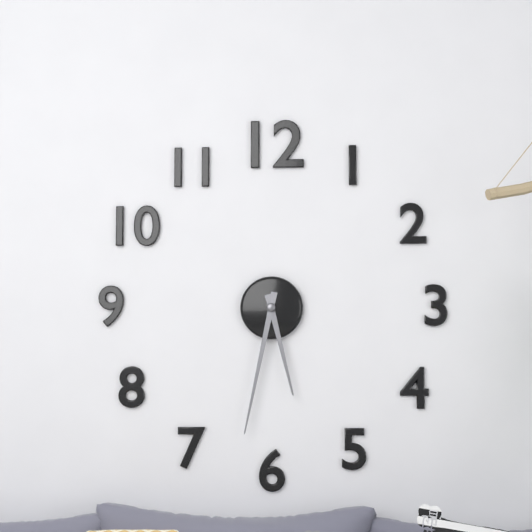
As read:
5.32
